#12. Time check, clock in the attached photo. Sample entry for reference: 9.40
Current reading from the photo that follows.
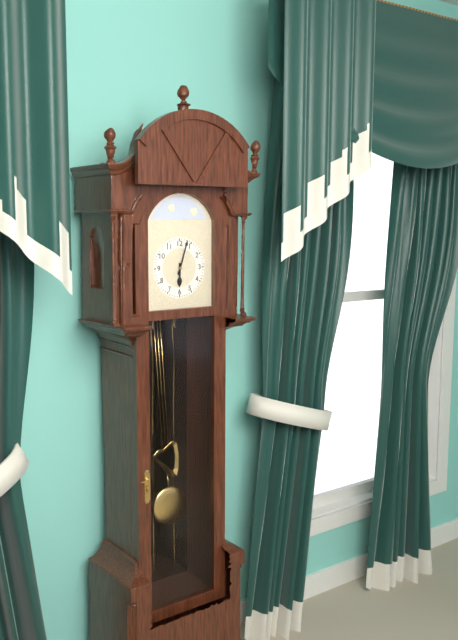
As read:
6.03
